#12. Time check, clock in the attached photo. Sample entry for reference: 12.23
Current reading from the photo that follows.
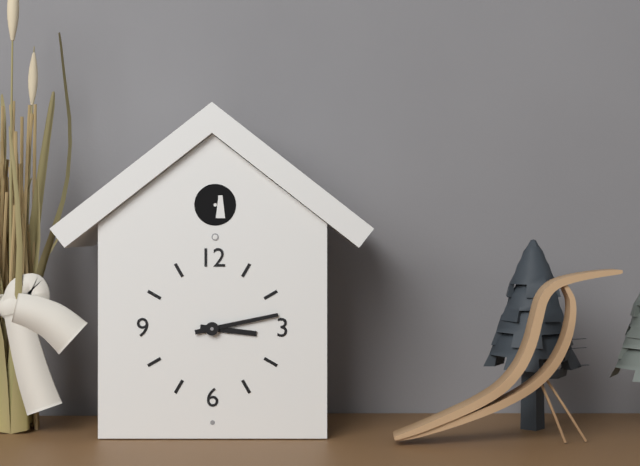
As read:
3.13
